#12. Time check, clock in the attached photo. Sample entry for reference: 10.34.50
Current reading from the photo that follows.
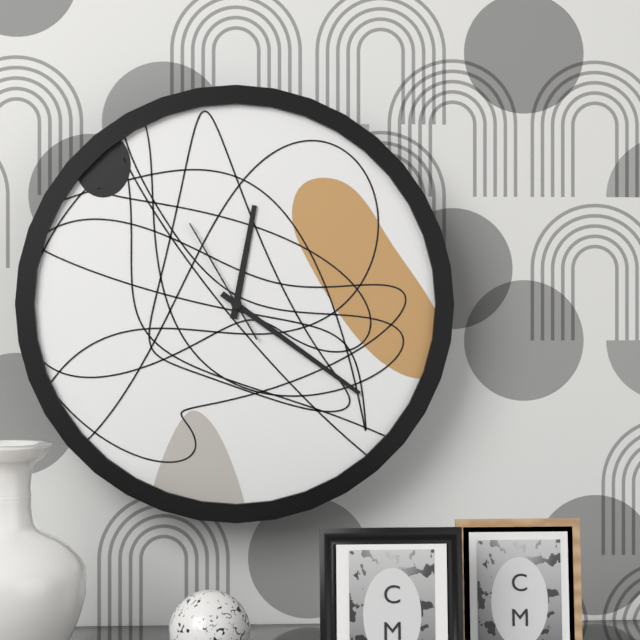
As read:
12.21.55
